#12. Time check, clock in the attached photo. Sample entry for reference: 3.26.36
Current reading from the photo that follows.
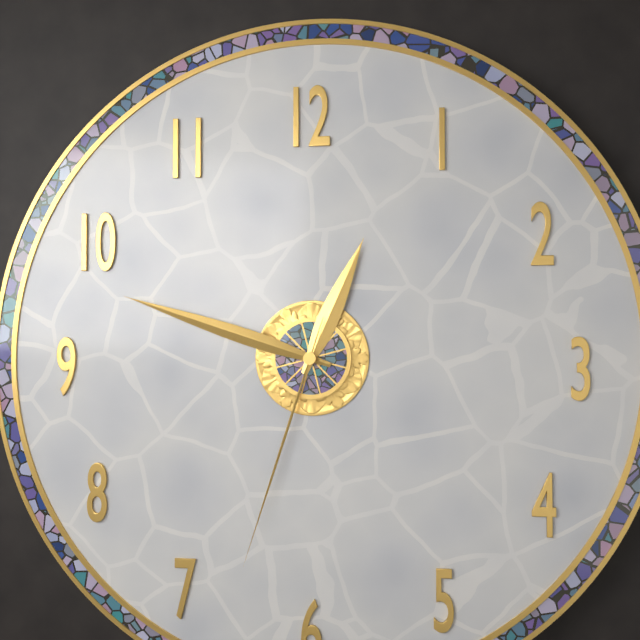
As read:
12.48.33
